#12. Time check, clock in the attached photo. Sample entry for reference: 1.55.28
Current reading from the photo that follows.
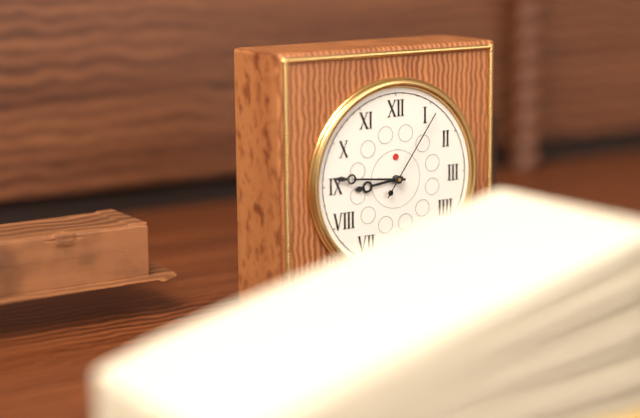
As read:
8.46.06
